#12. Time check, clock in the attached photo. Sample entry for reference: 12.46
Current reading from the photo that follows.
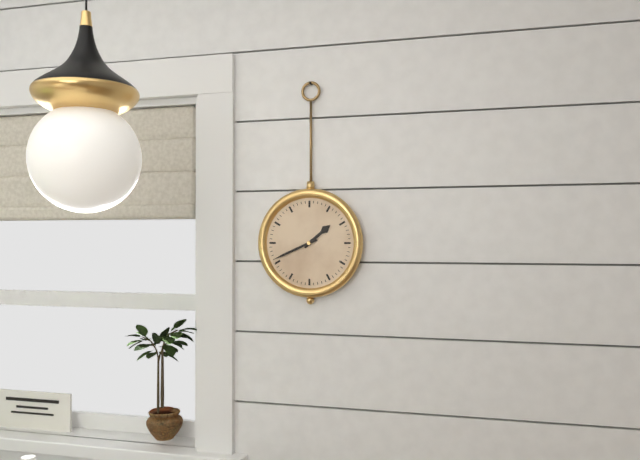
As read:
1.41
